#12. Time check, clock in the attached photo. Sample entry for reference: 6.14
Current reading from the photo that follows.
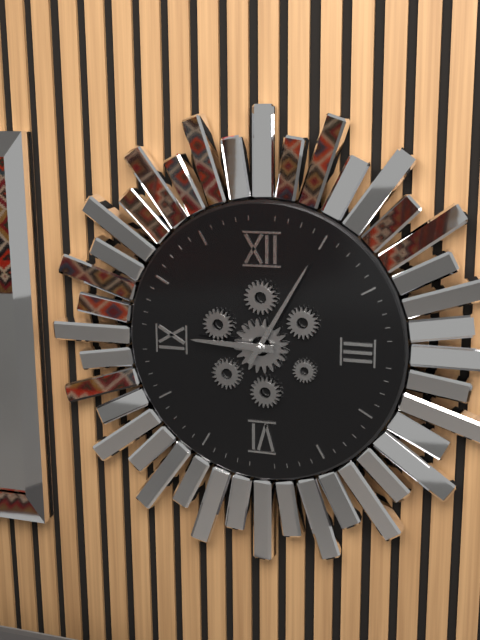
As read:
9.05
